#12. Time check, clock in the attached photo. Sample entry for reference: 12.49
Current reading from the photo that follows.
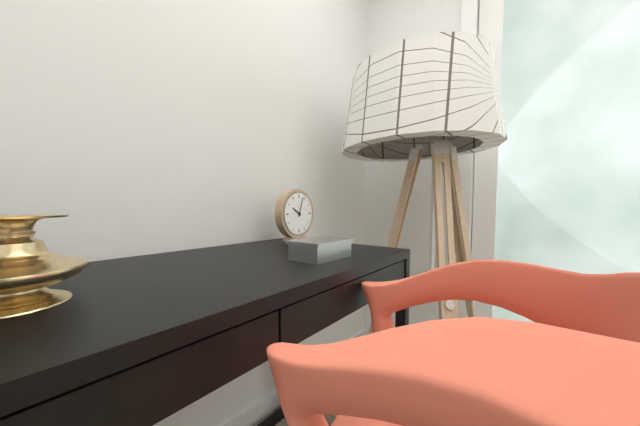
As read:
10.03
